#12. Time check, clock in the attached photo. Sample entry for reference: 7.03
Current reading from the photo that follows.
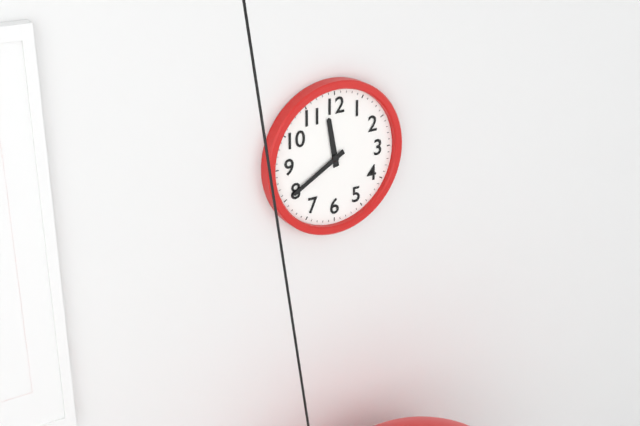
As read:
11.40
